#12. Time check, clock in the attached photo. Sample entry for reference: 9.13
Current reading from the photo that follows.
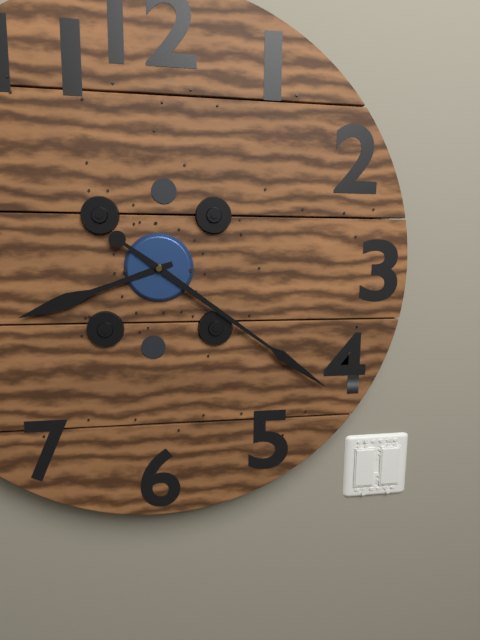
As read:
8.21
